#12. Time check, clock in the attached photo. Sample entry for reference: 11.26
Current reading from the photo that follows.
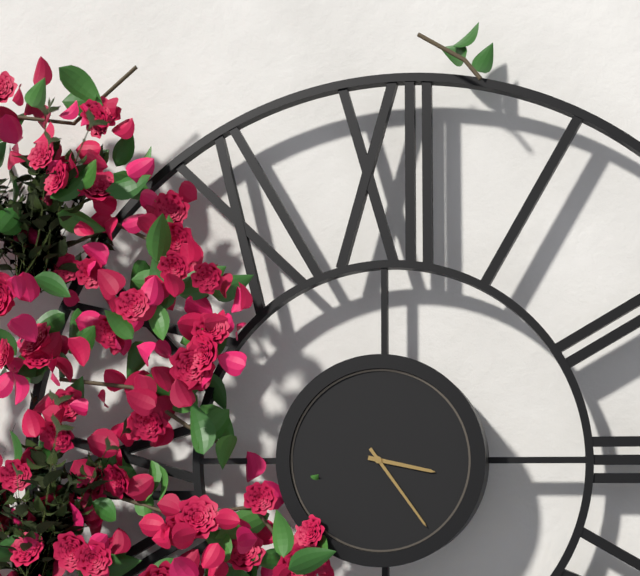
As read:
3.24
